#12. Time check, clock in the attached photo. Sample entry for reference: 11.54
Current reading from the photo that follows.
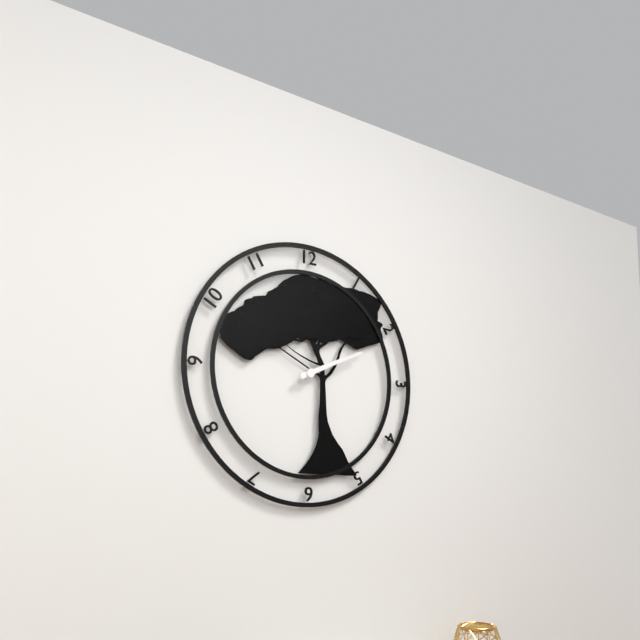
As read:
2.11
